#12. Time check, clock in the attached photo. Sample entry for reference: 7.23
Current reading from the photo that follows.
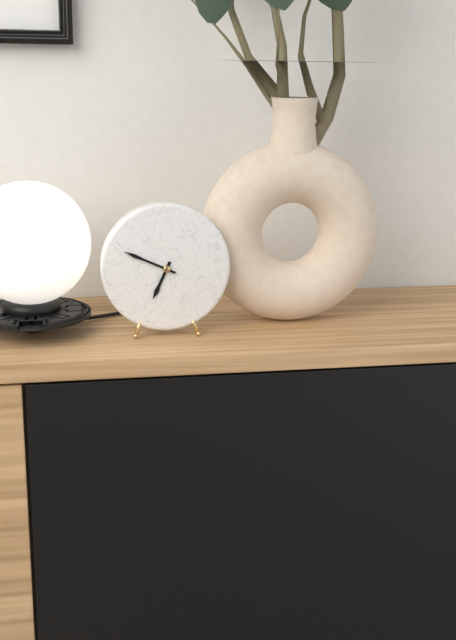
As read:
6.49
